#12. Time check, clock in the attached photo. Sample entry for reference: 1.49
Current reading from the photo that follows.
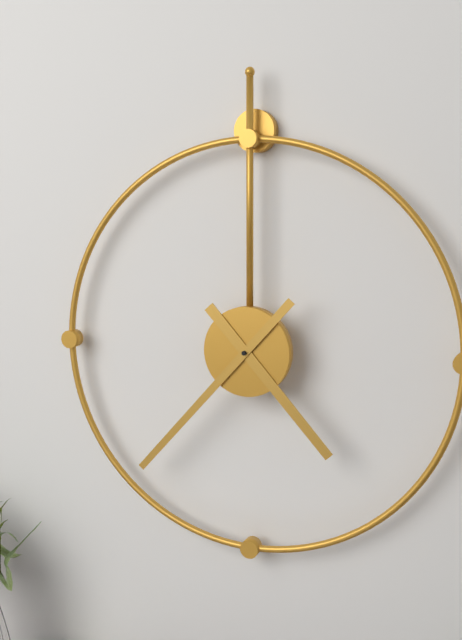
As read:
4.37
